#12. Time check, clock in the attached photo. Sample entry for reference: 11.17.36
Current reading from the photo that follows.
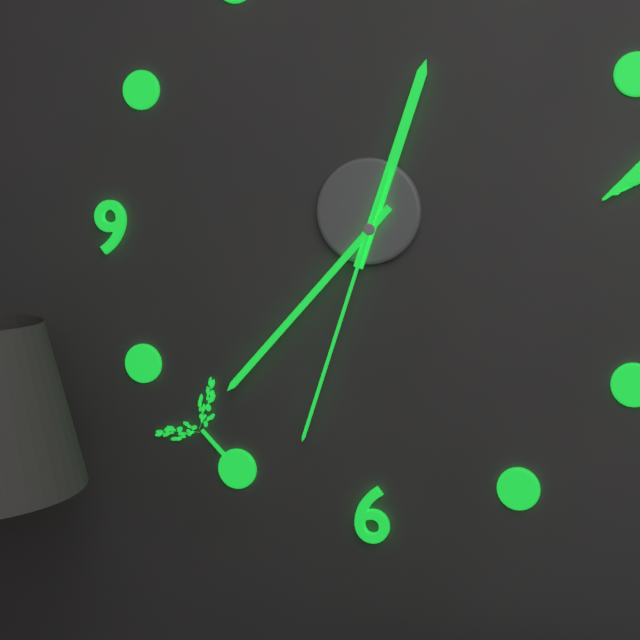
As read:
12.37.33
